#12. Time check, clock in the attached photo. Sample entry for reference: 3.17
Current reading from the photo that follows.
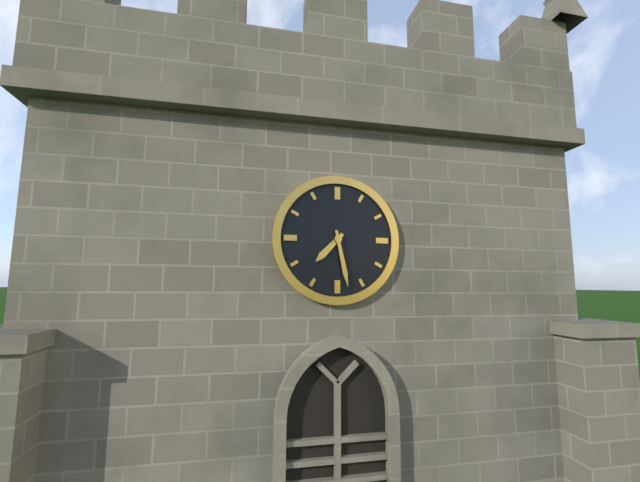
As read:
7.28
